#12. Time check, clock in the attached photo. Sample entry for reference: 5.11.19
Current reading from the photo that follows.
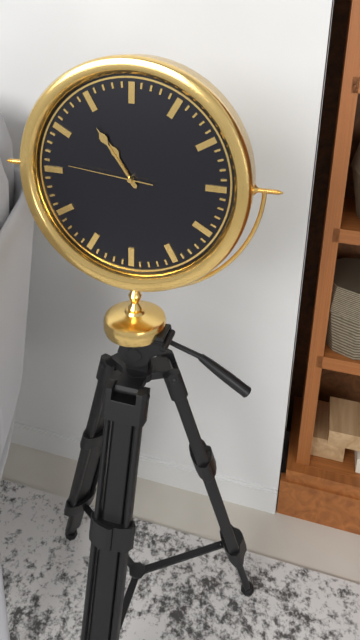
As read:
10.54.46
